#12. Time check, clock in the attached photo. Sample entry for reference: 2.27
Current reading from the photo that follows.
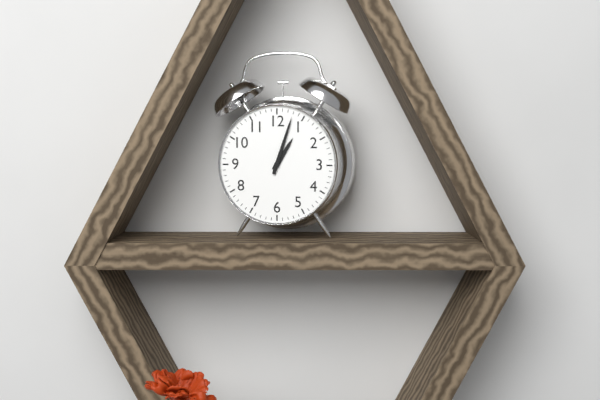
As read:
1.03
